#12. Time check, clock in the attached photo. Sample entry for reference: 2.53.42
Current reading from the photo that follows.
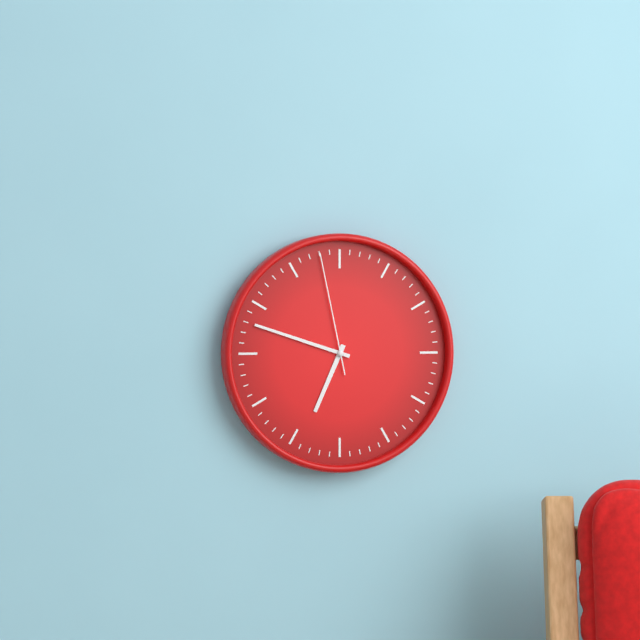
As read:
6.48.58
